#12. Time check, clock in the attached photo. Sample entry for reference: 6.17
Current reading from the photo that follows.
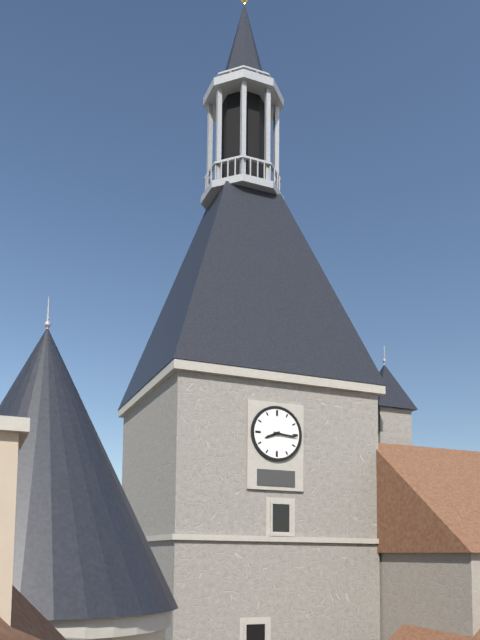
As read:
8.16
